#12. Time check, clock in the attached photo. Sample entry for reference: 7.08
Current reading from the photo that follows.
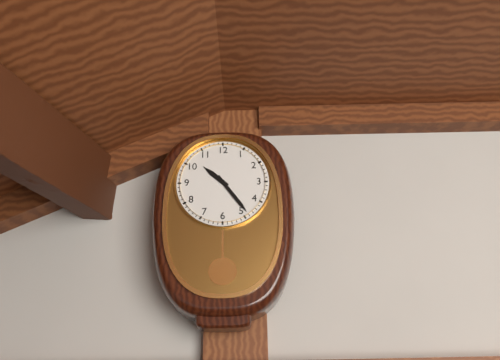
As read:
10.24
